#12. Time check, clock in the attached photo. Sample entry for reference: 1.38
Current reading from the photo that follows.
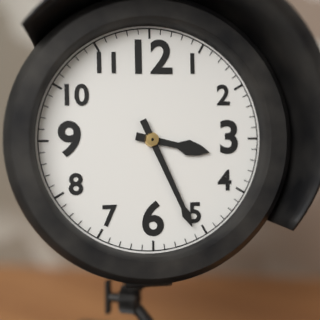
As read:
3.26
